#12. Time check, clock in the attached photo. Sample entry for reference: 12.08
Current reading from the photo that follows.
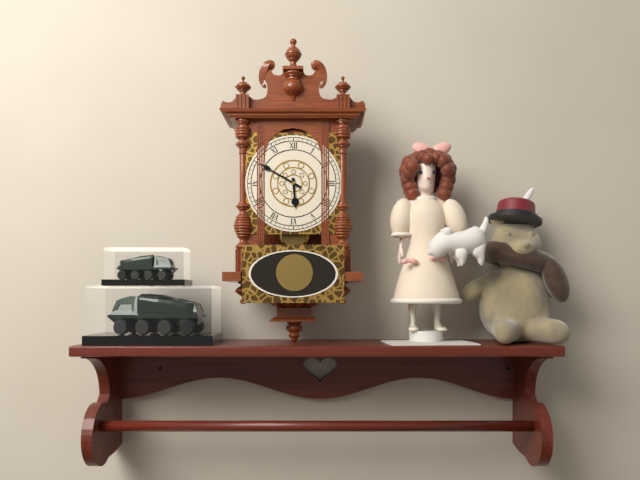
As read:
5.50
